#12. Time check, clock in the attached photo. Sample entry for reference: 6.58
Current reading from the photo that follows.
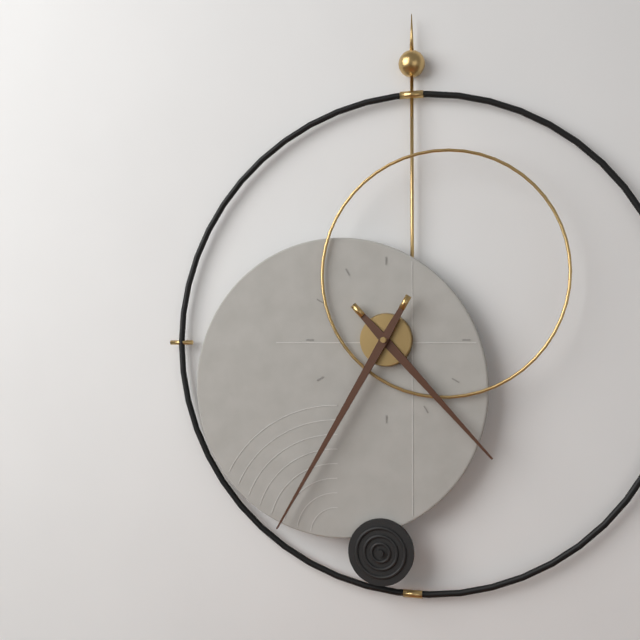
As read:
4.35
